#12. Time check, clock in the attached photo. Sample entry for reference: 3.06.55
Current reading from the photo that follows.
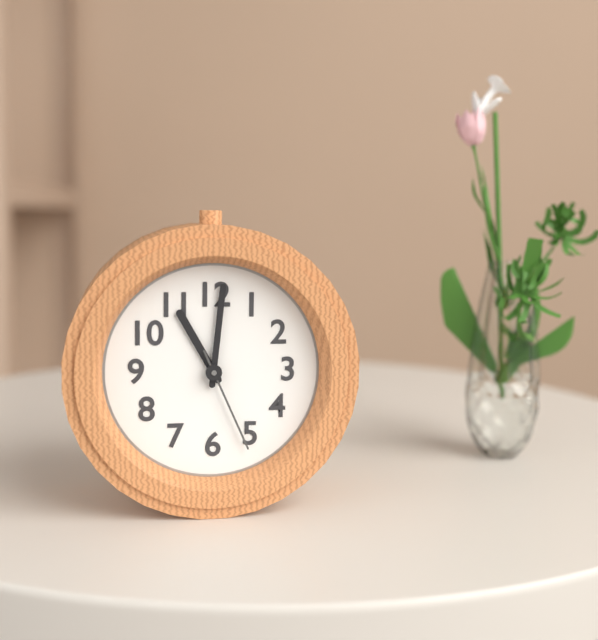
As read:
11.01.26
